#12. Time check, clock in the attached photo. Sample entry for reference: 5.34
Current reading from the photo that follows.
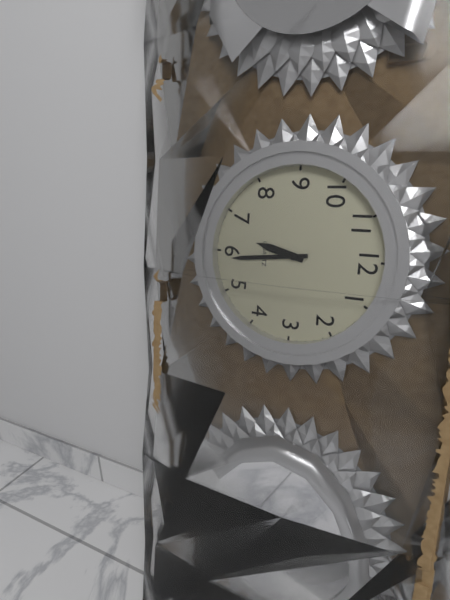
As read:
6.29
